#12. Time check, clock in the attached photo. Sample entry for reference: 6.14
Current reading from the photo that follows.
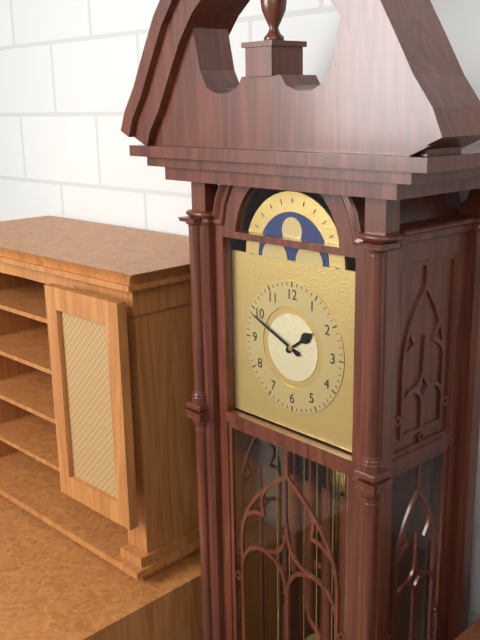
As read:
1.49
